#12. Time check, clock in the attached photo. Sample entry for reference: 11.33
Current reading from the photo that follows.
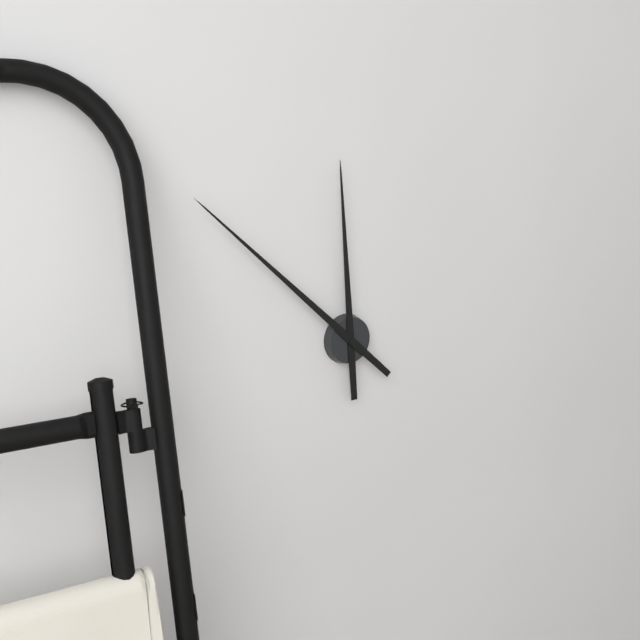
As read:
11.52
